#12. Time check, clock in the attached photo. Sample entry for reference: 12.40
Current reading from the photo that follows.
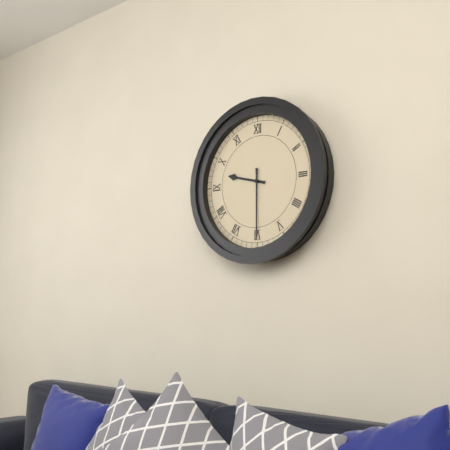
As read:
9.30
